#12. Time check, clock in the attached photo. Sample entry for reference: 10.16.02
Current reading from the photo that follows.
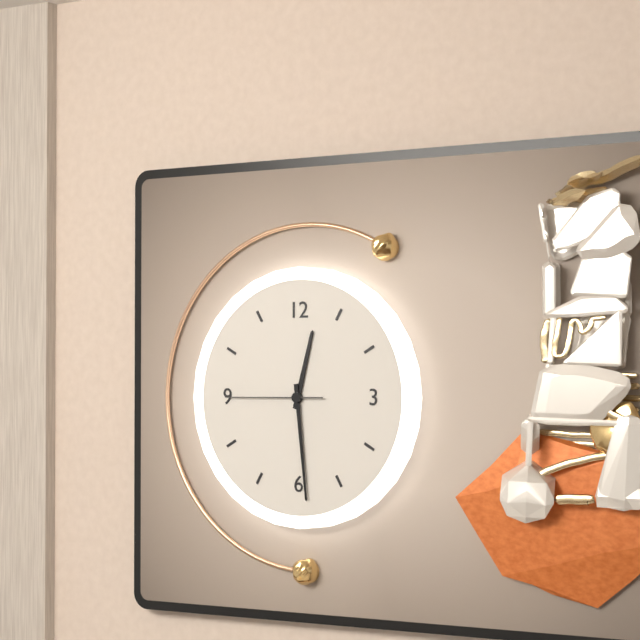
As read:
12.29.45
